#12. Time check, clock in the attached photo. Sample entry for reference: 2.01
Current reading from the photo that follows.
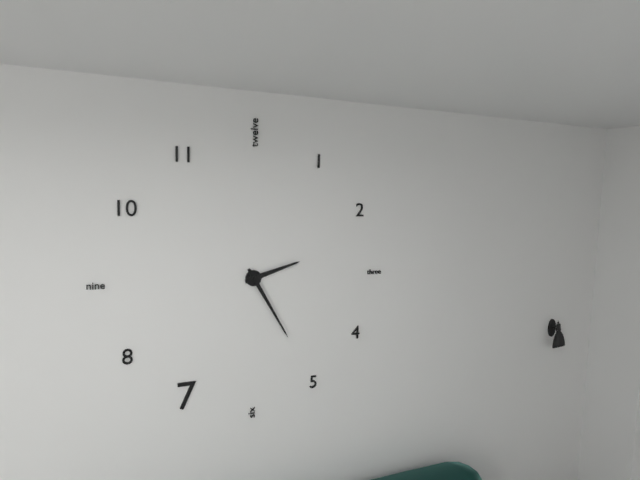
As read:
2.25
